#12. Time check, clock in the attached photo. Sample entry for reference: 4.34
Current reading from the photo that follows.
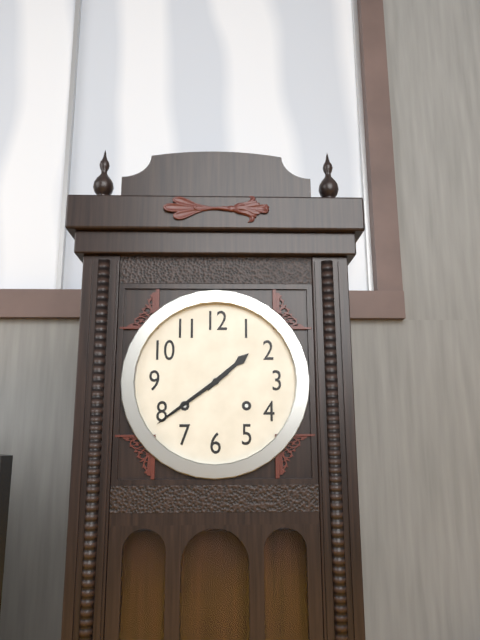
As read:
1.39
